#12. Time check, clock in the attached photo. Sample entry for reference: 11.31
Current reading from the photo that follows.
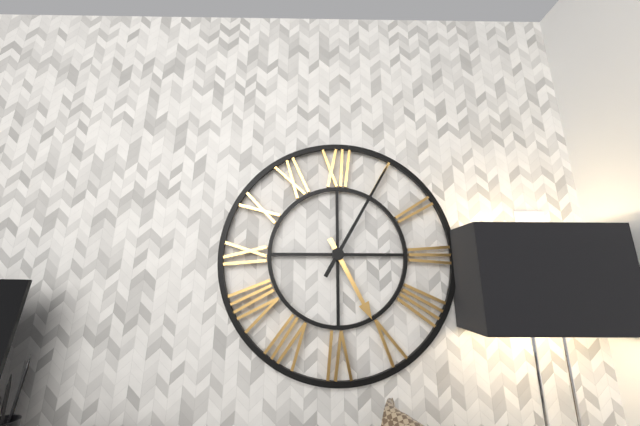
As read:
5.05
